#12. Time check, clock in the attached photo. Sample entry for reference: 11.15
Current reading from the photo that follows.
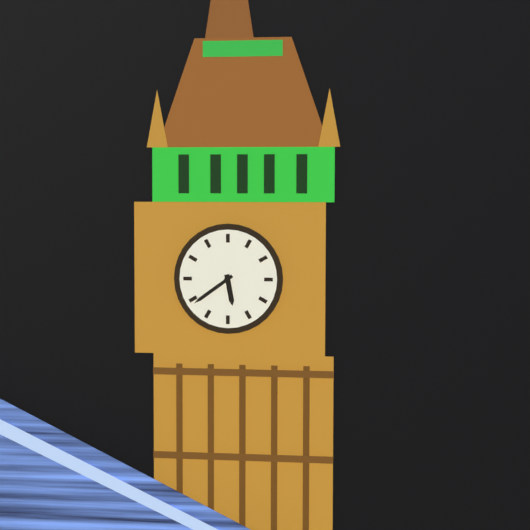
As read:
5.39
